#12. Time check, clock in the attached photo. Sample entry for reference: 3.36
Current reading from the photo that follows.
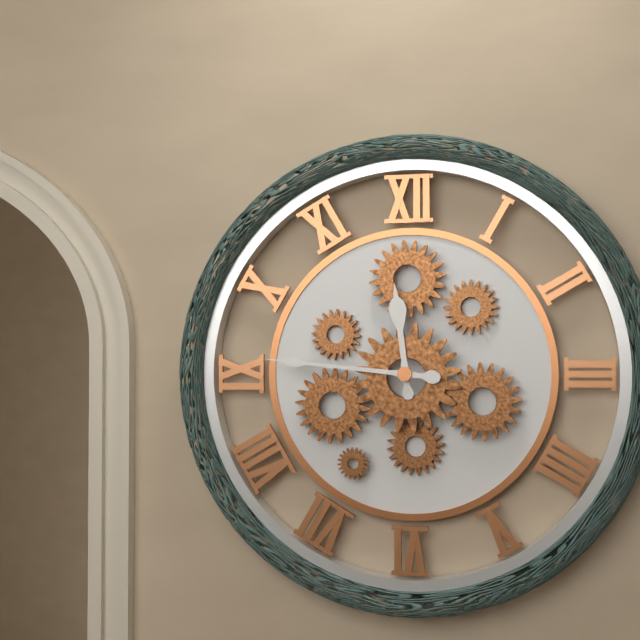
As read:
11.46
